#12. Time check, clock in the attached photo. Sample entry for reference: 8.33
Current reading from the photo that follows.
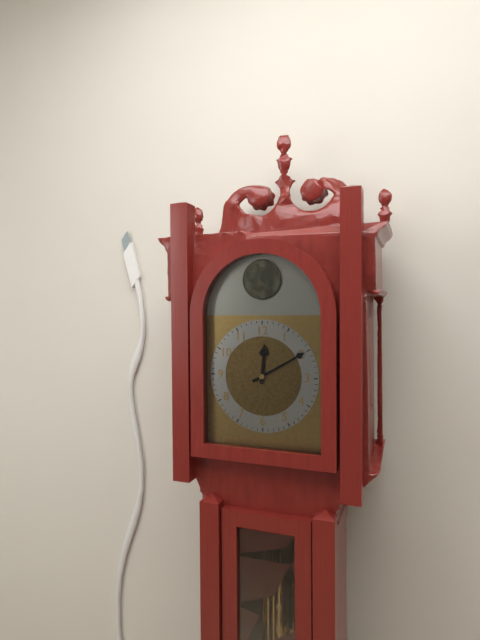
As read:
12.10
